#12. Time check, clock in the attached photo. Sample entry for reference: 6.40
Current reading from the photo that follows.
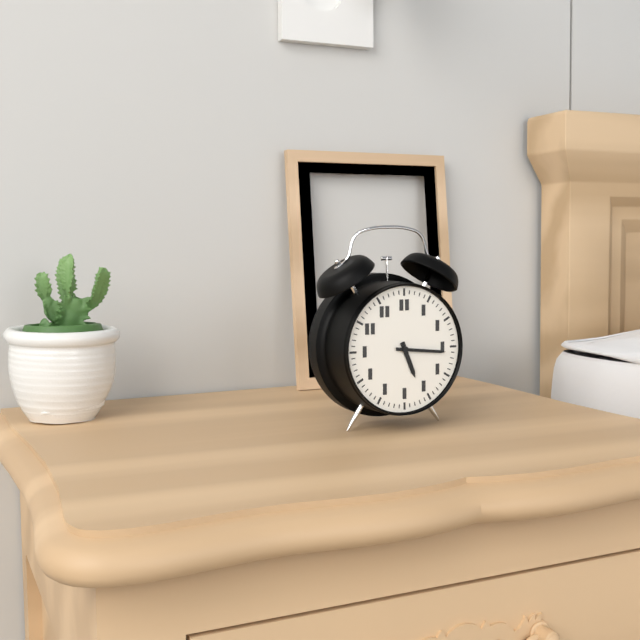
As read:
5.16
